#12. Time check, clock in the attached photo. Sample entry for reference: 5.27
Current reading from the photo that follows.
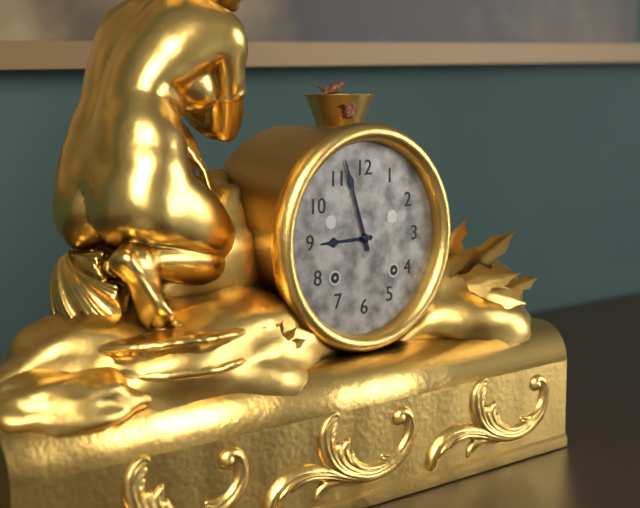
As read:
8.57
